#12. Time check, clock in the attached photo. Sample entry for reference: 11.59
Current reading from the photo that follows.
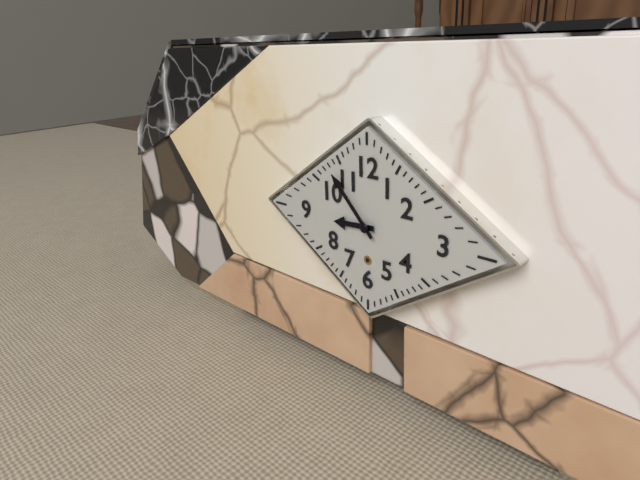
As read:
8.53
